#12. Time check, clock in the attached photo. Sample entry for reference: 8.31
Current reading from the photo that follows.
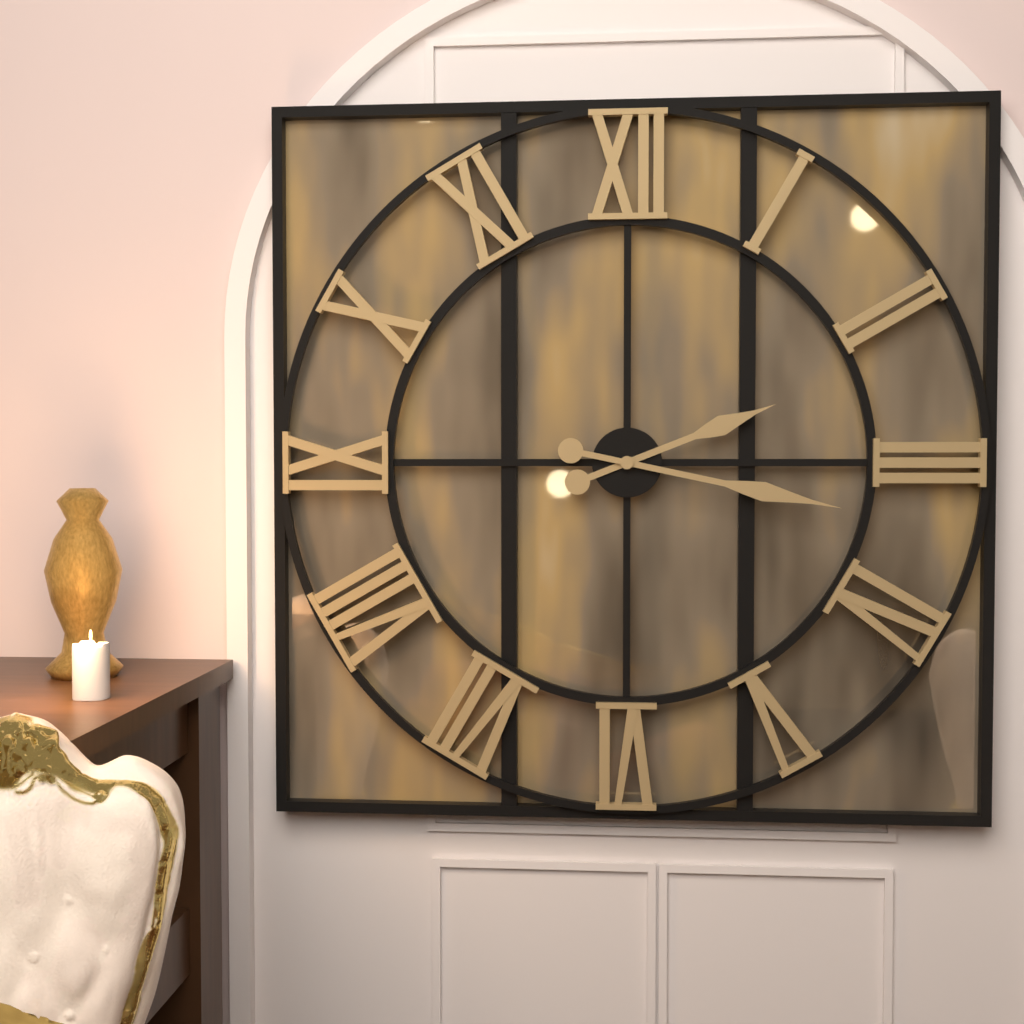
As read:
2.17
